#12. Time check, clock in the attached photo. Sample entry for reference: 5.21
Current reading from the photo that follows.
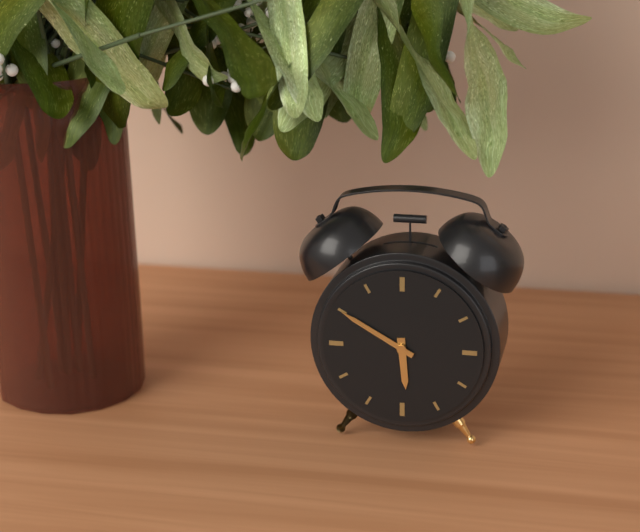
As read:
5.50
